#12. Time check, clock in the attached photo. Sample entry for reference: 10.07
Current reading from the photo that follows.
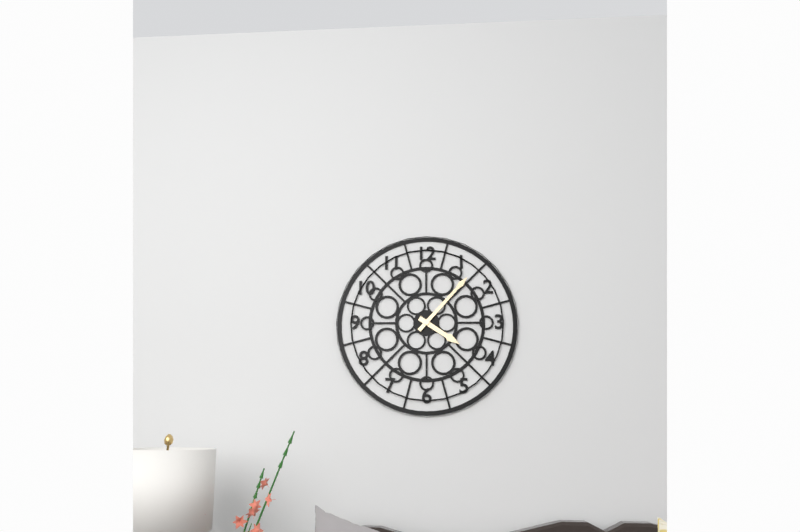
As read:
4.07
